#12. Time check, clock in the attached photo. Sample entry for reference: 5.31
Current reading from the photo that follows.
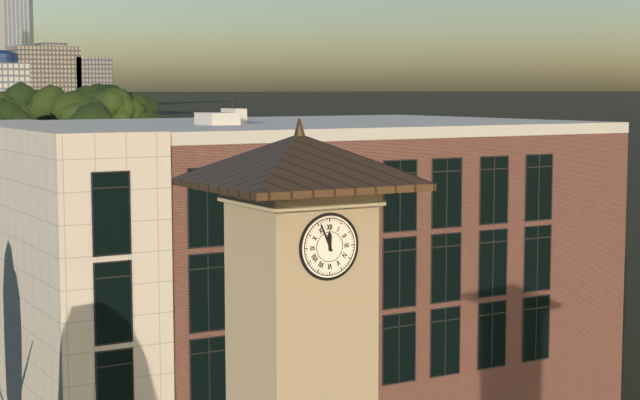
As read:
11.56
